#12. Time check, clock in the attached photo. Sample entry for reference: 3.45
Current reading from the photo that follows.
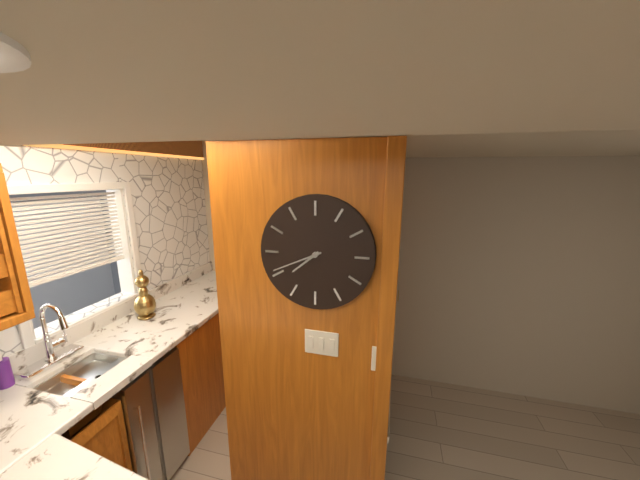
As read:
7.41
